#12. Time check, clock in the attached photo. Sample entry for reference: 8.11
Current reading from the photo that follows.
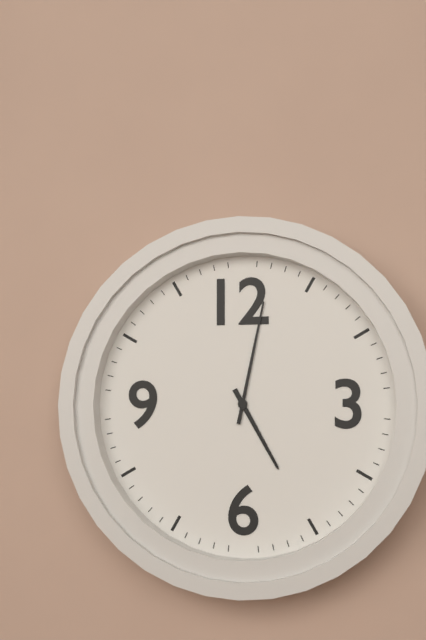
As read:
5.02
